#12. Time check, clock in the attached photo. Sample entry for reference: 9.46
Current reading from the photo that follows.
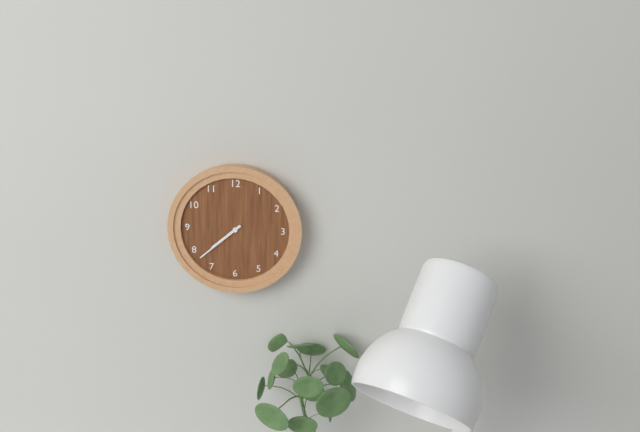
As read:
7.38
